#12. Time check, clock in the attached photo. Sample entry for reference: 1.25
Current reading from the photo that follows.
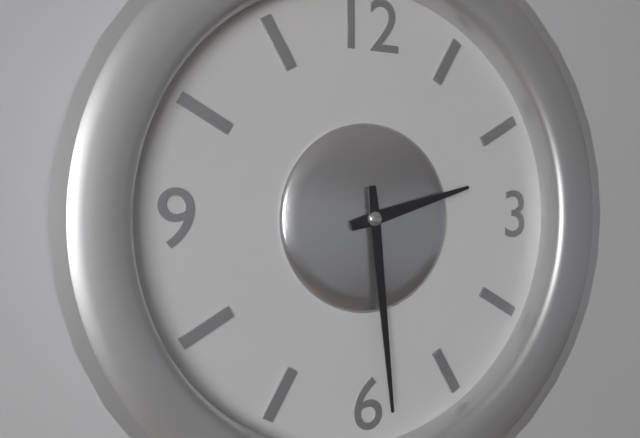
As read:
2.29
